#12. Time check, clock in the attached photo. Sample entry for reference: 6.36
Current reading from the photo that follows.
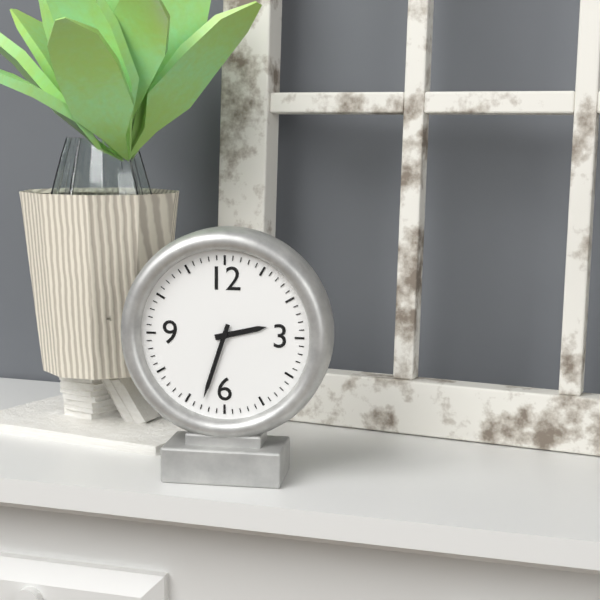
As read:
2.33
